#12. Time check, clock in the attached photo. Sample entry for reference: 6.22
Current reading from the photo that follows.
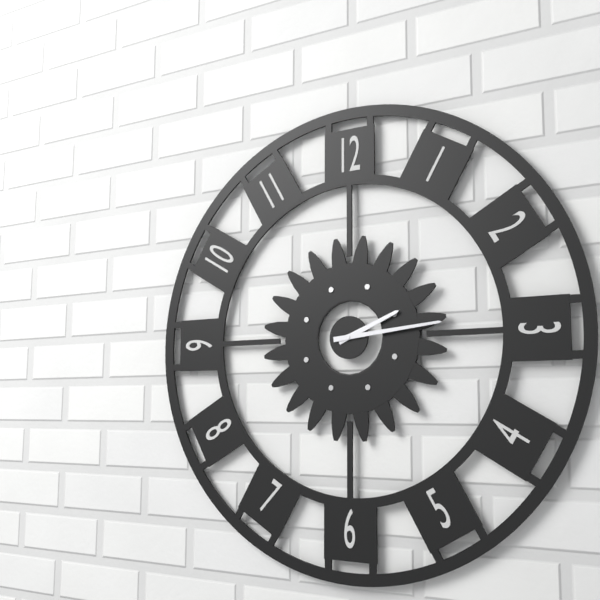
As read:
2.14
